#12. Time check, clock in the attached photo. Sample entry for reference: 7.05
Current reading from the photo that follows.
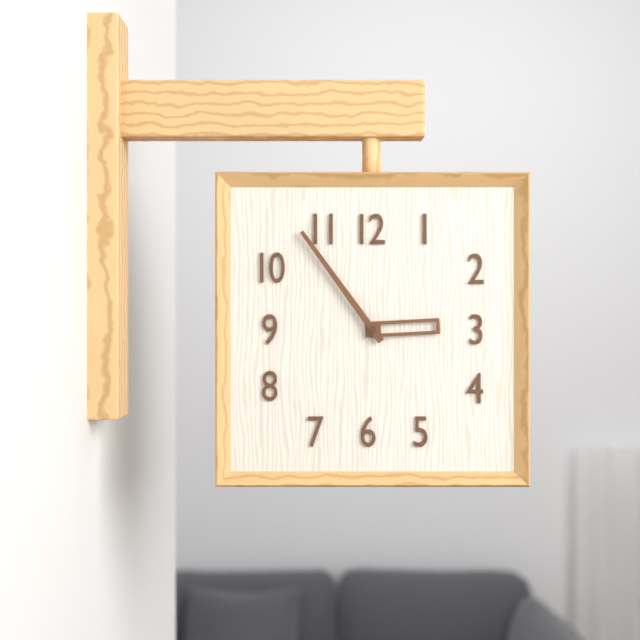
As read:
2.54
